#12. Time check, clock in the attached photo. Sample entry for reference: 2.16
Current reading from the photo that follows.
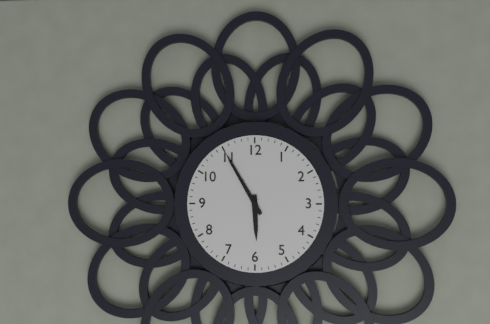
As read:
5.55
